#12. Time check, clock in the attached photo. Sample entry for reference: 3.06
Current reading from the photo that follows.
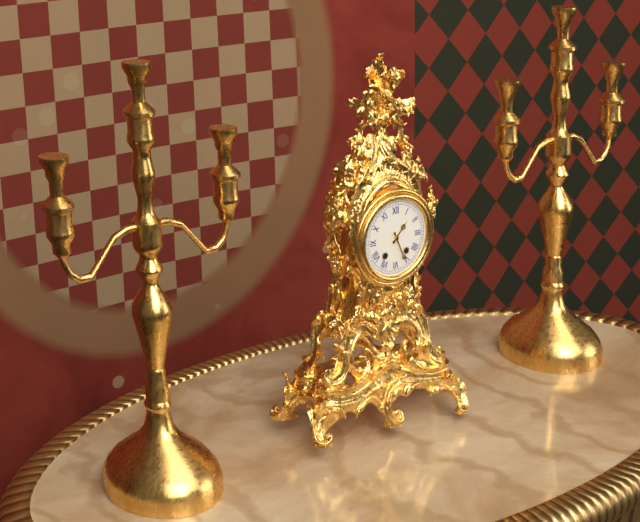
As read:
1.26
